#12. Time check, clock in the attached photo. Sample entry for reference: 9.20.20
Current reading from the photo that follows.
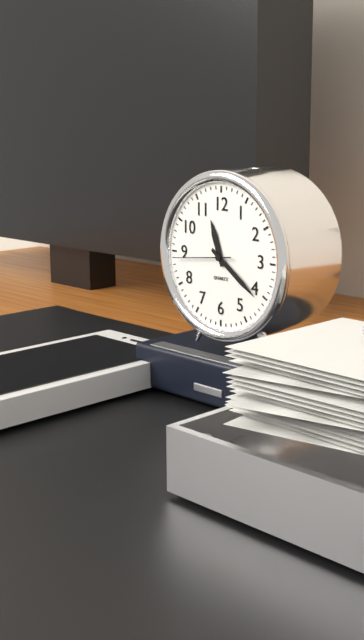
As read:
11.21.44
